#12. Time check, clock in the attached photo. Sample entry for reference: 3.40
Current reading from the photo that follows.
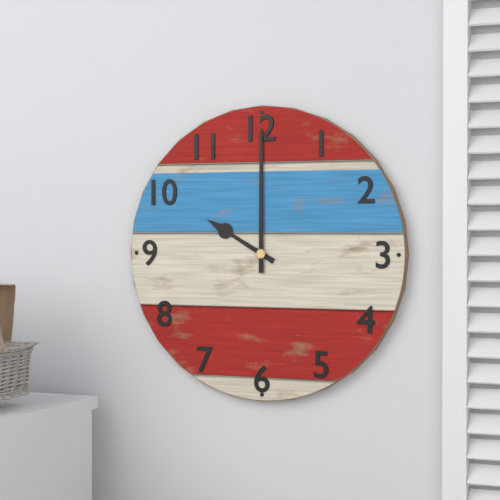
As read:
10.00
